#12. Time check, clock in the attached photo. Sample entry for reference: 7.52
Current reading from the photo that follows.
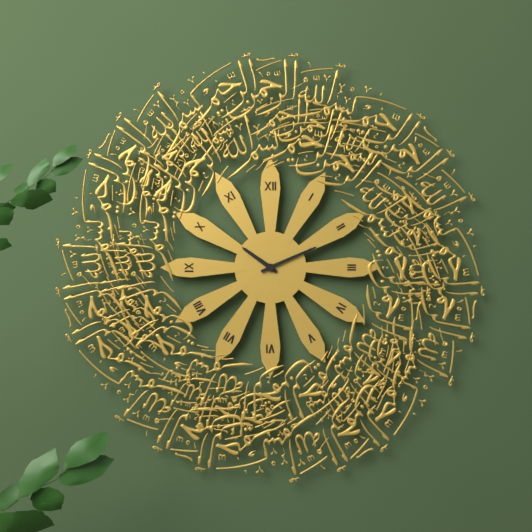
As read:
10.11
